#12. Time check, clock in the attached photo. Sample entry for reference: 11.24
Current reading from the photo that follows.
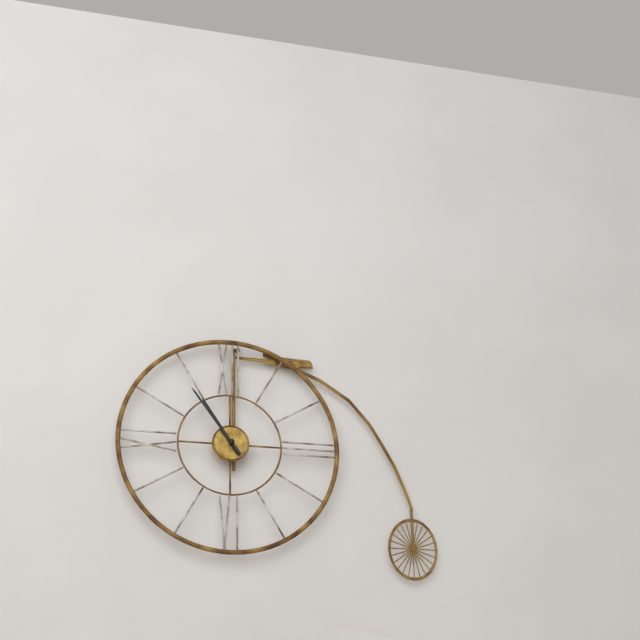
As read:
10.54
